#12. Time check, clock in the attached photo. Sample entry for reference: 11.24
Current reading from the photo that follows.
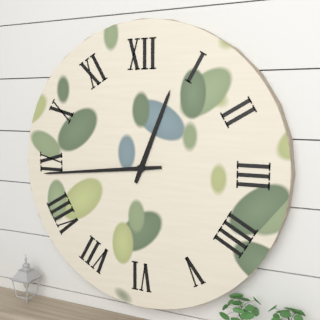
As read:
12.44
